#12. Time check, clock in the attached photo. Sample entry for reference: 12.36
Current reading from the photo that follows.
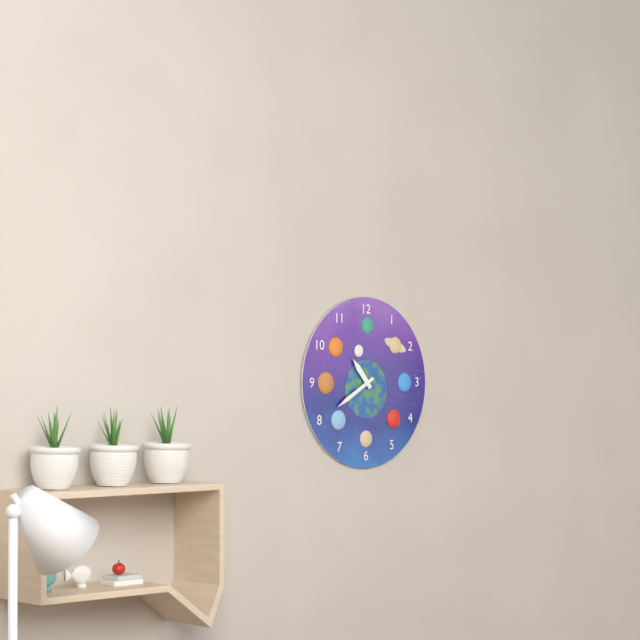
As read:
10.40
